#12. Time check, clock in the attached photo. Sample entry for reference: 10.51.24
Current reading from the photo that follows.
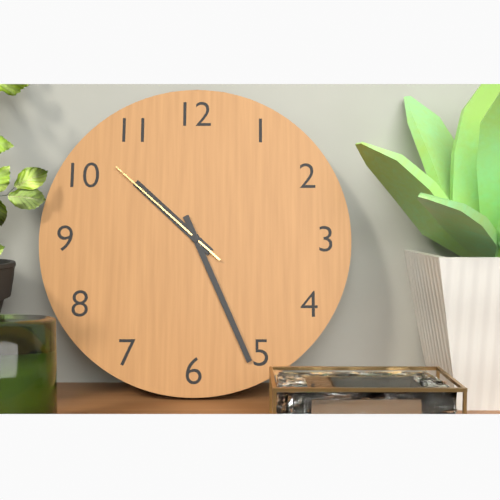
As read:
10.26.52
